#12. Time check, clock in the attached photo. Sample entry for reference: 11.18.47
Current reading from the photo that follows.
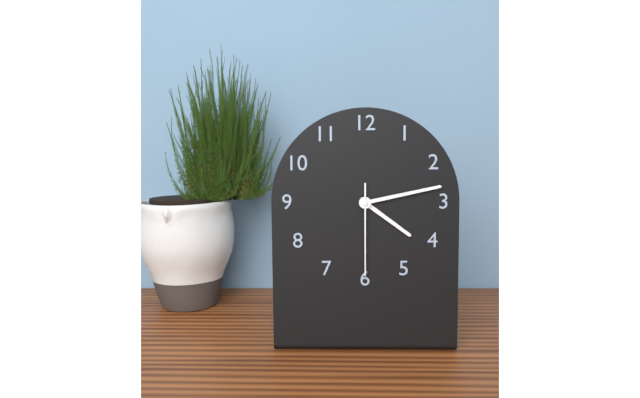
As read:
4.13.30
